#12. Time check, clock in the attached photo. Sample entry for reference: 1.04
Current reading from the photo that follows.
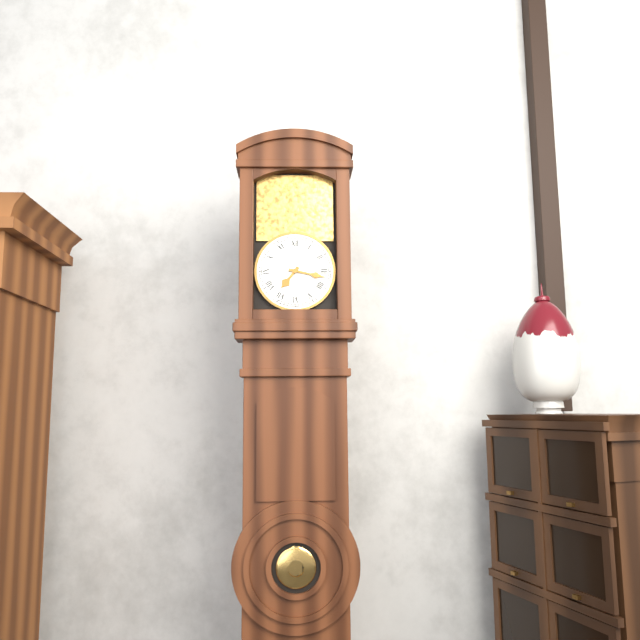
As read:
7.17
